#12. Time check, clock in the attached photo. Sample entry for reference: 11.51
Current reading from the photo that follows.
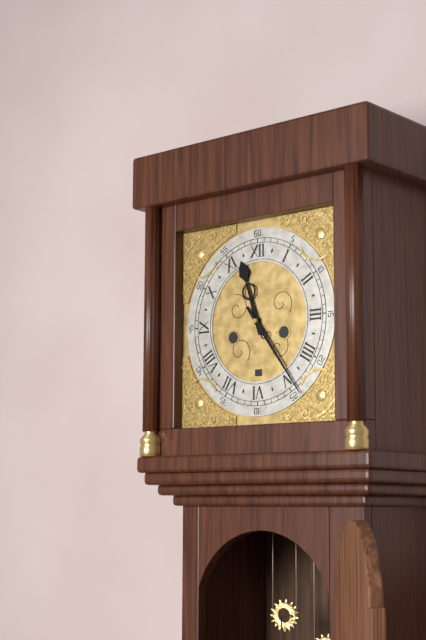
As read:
11.24
